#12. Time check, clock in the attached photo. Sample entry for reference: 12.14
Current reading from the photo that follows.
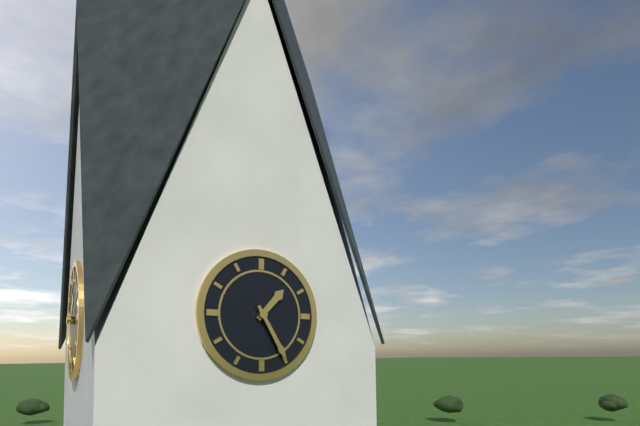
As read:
1.25
